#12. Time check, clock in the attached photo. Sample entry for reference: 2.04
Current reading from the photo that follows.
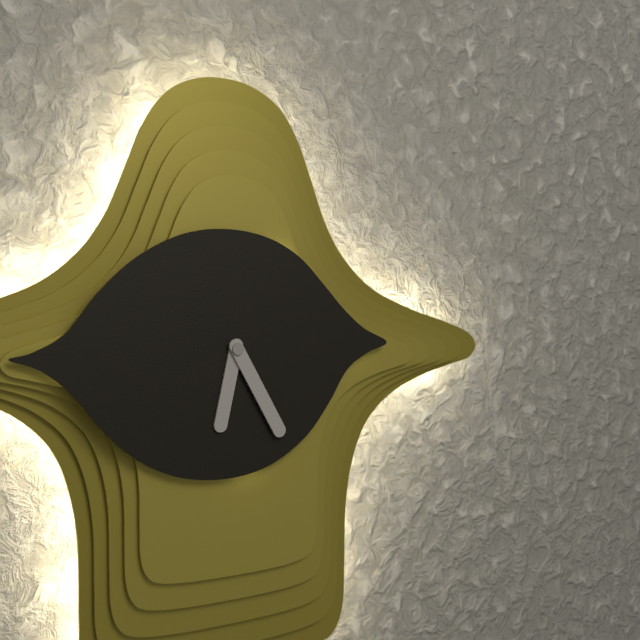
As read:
6.25
